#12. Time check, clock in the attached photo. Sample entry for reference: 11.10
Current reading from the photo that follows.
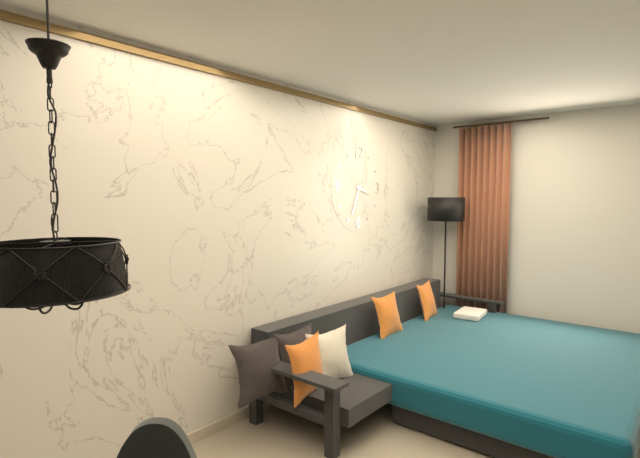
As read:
3.34
